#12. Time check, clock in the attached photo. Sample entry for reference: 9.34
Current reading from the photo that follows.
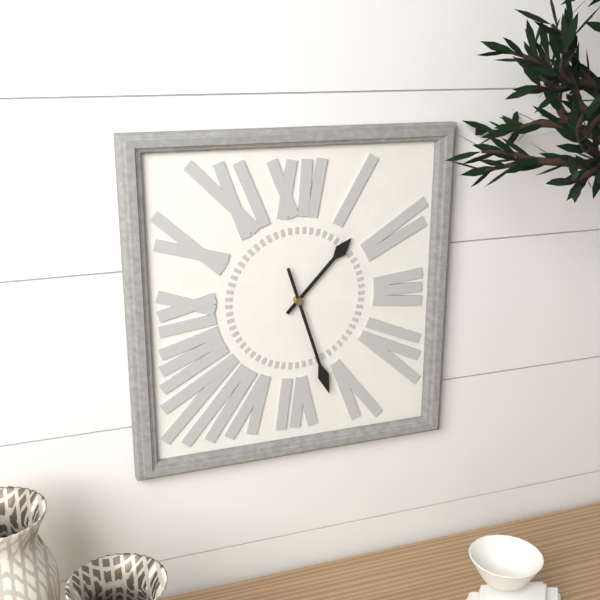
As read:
1.27
